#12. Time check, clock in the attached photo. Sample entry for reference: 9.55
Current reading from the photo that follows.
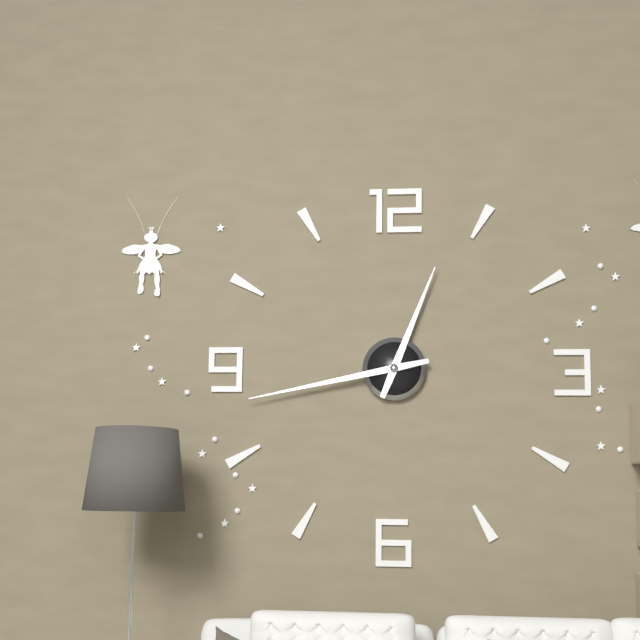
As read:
12.43
